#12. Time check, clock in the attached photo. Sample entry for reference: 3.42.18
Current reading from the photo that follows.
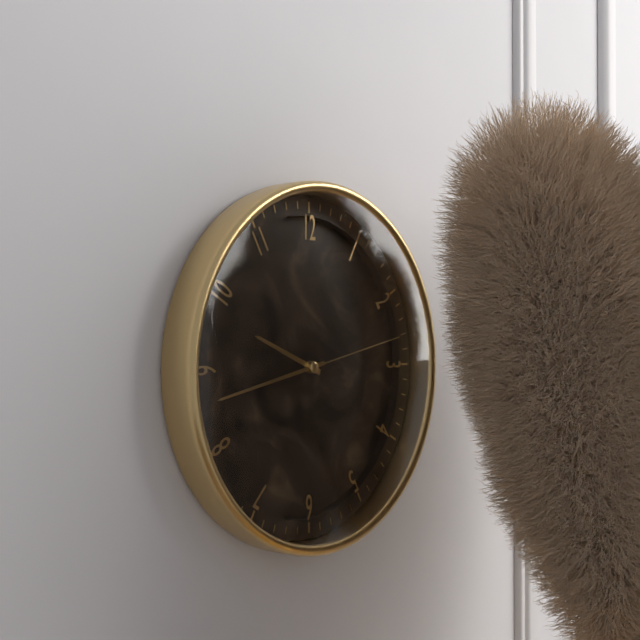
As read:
9.43.13
